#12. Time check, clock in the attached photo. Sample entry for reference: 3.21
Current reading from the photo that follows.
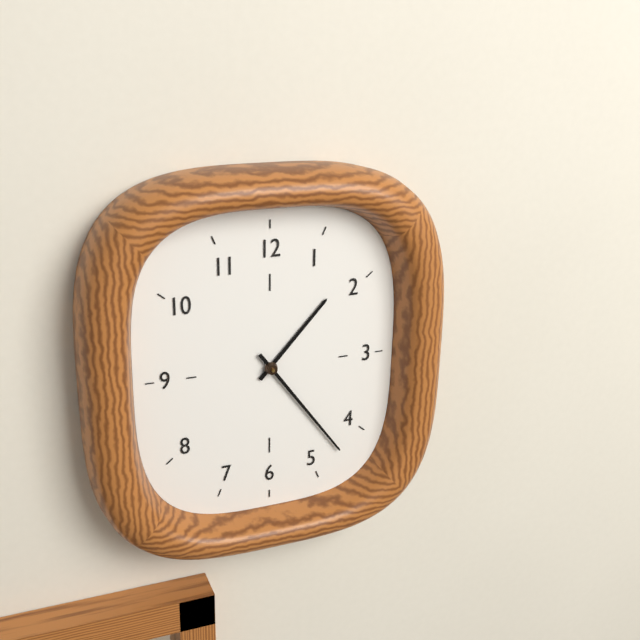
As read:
1.24
